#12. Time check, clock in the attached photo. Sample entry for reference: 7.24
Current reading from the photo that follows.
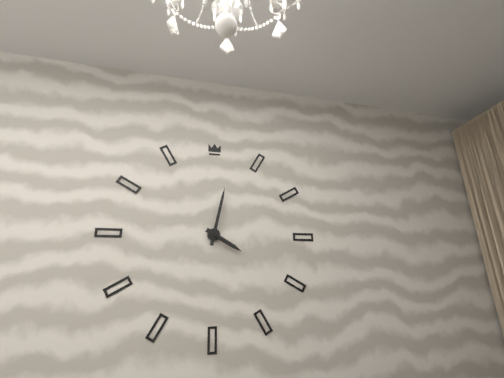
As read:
4.02
